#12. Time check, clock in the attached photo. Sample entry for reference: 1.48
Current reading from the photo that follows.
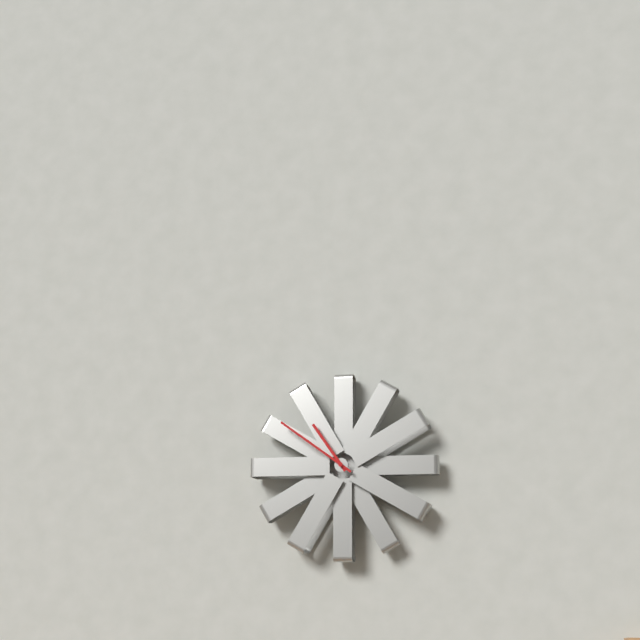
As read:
10.51
